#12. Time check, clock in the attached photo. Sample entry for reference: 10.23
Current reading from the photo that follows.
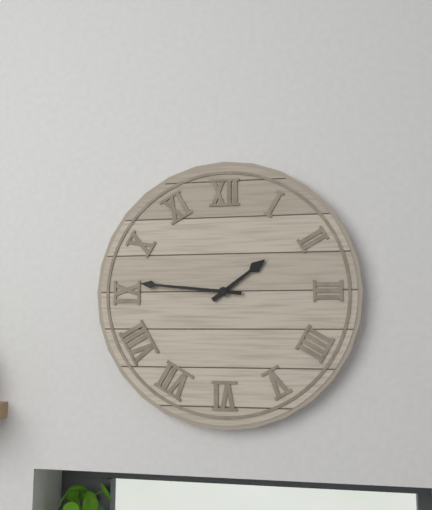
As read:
1.46
